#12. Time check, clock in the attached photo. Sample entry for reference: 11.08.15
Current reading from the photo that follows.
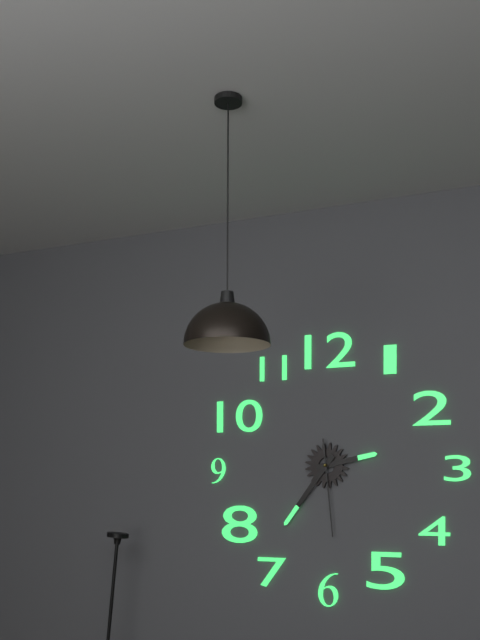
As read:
2.36.29
